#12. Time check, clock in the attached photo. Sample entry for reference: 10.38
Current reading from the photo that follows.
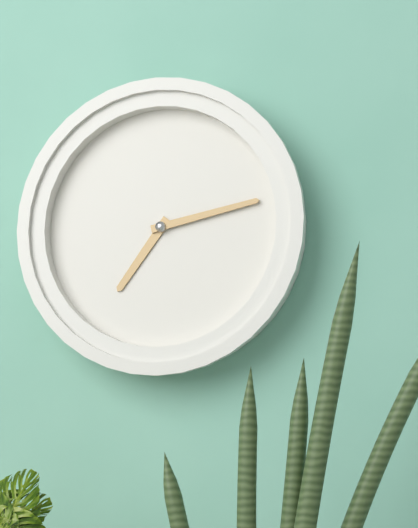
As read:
7.13
